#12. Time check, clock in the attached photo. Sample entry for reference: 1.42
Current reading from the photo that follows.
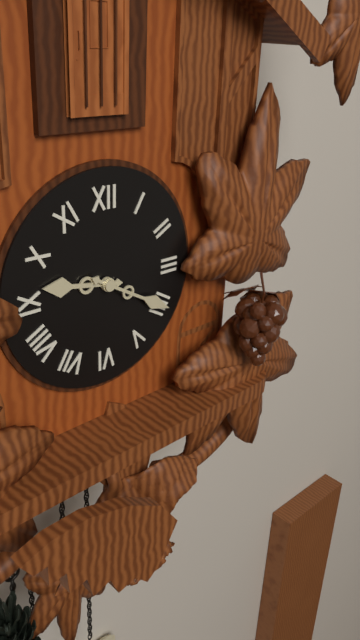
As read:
9.20
